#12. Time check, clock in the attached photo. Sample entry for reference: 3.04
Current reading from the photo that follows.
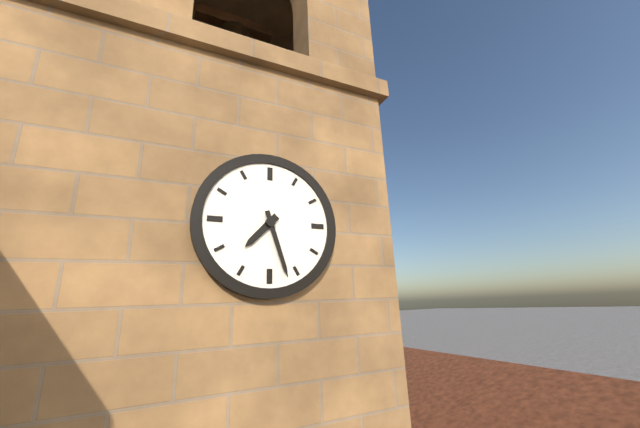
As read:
7.27
